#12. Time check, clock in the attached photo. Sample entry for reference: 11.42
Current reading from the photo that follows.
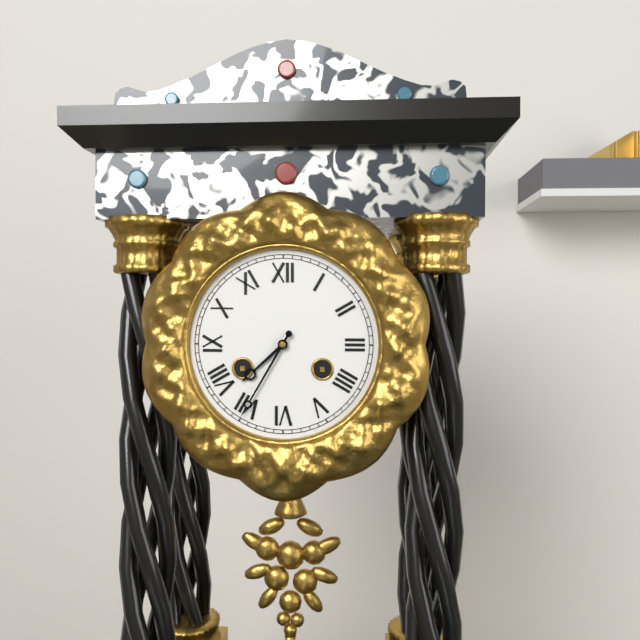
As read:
7.35
